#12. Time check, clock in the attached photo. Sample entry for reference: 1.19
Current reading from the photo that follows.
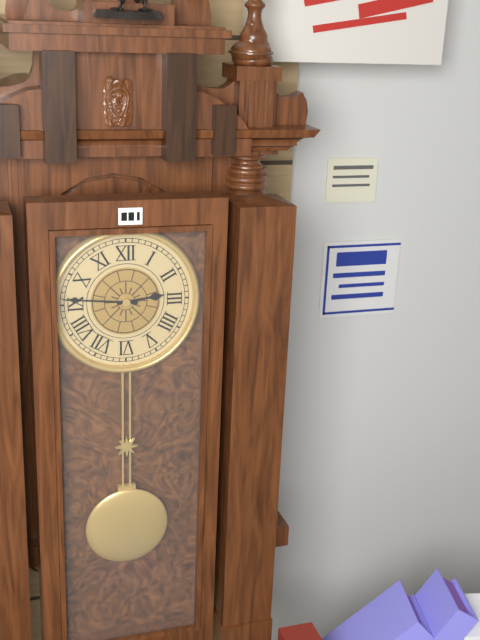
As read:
2.46
